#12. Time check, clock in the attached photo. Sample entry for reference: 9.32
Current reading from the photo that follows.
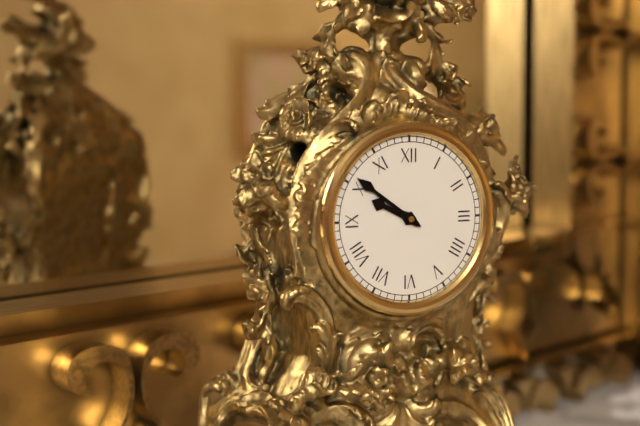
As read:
9.51
